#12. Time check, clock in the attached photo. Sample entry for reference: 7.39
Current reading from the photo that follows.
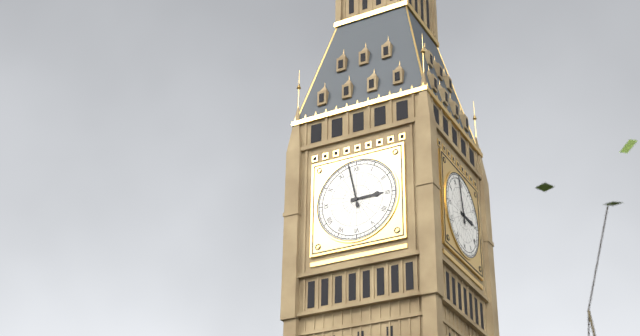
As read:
2.58
